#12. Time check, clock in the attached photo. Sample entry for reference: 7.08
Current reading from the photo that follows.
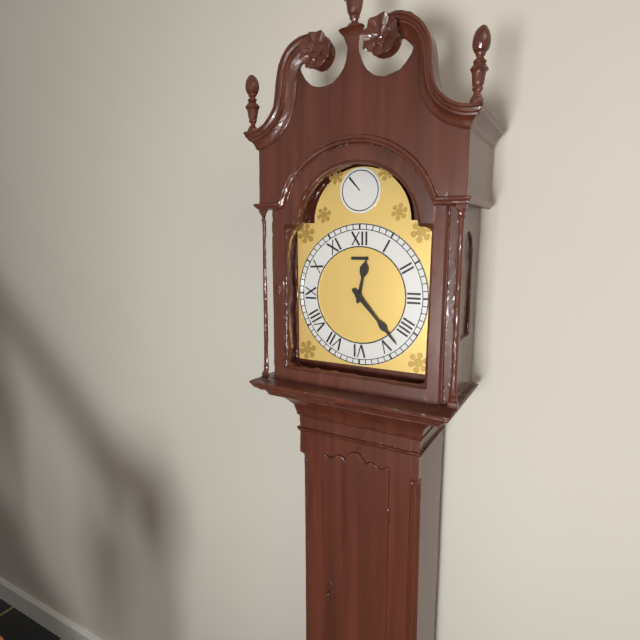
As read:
12.23
